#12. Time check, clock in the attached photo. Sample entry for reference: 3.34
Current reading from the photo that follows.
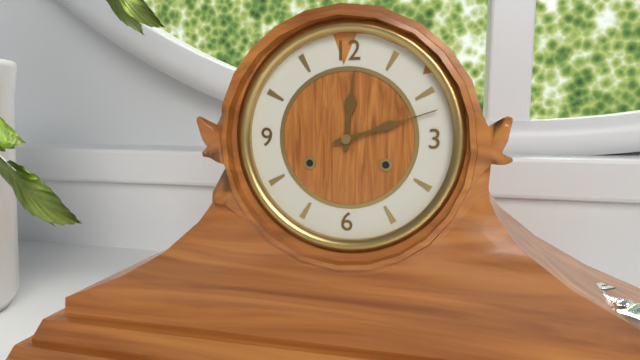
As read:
12.12
